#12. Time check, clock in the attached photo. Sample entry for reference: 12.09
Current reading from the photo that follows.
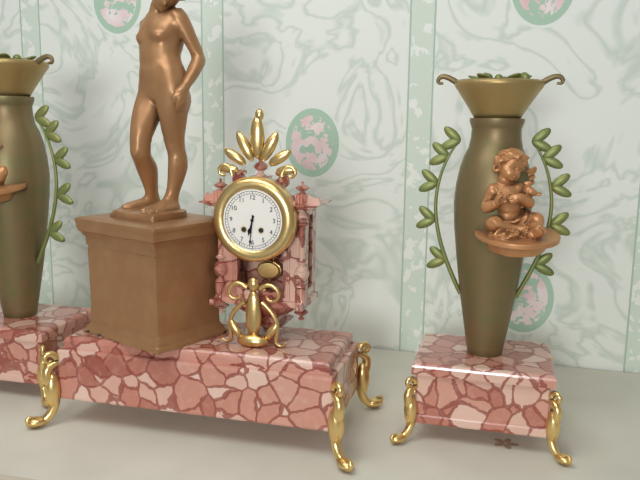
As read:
6.31
